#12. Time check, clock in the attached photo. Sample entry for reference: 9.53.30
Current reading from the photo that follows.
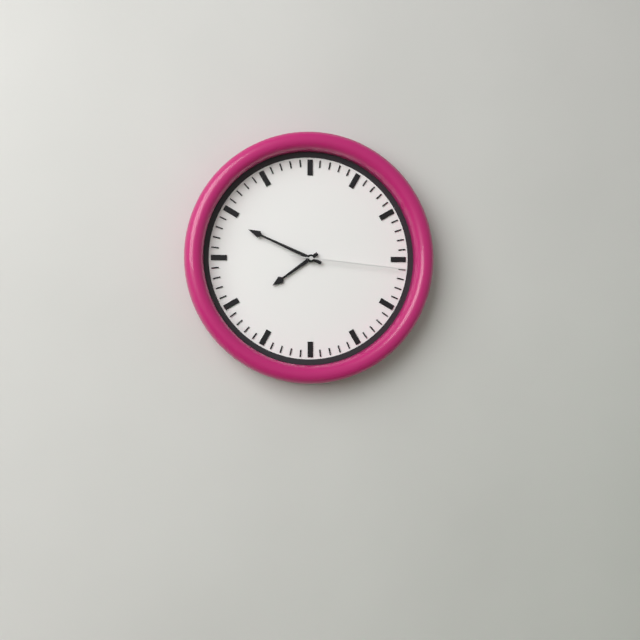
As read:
7.49.16
